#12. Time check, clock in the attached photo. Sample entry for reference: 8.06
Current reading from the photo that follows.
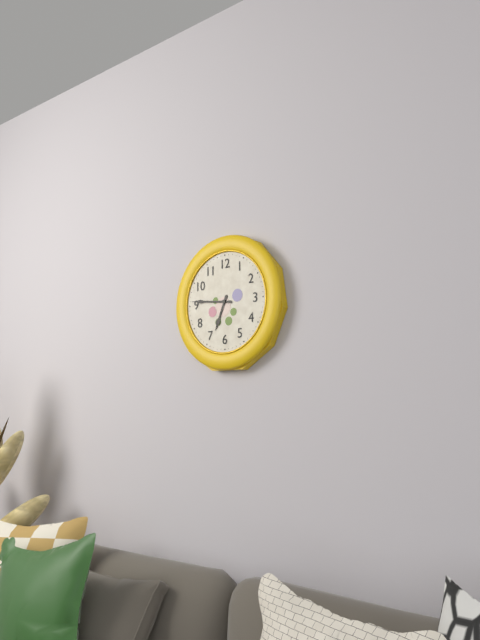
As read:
6.46
